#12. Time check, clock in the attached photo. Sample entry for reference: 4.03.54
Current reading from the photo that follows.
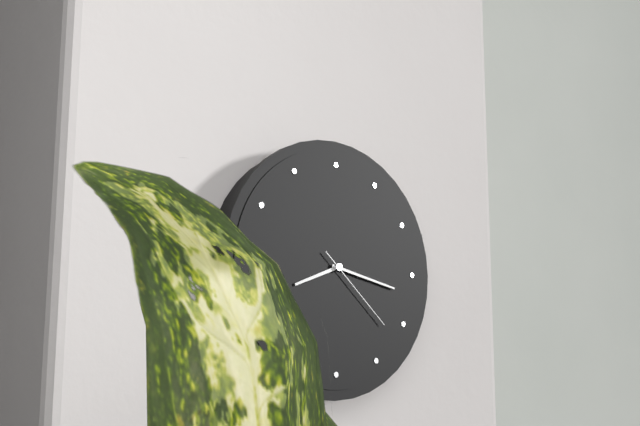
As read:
8.17.22
